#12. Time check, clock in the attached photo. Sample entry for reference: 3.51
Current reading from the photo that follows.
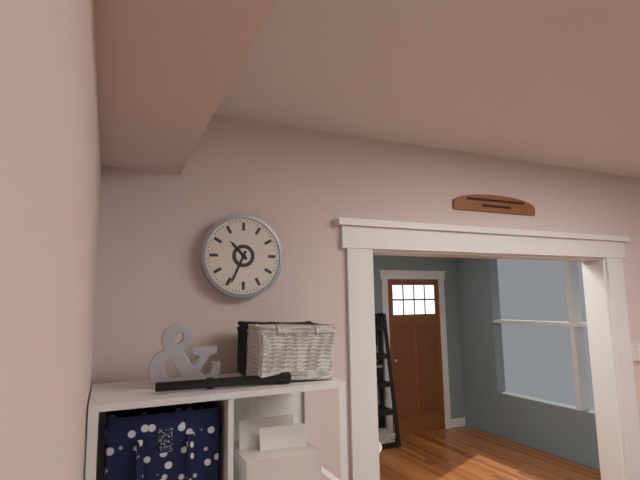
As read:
10.34
